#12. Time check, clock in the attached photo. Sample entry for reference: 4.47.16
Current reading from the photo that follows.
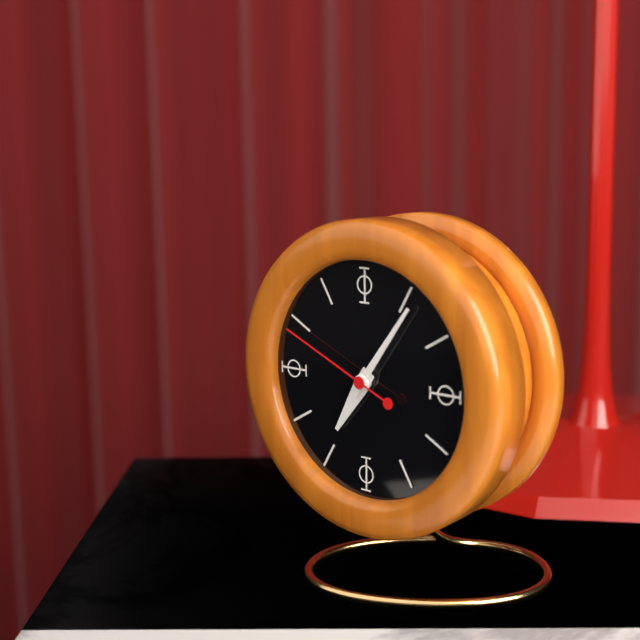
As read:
7.06.49
